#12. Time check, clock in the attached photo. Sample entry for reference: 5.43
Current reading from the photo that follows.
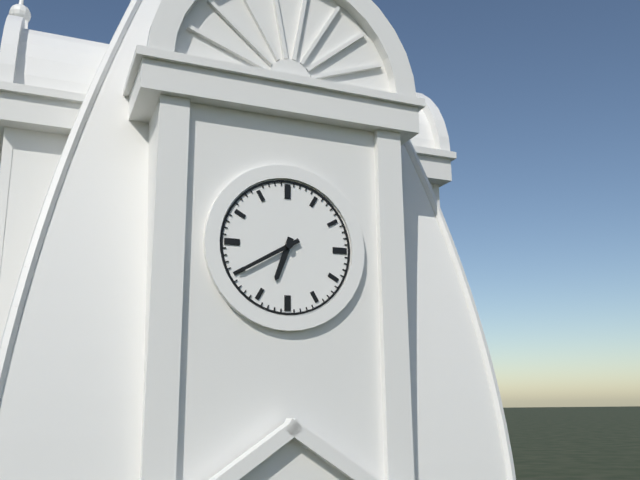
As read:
6.40
